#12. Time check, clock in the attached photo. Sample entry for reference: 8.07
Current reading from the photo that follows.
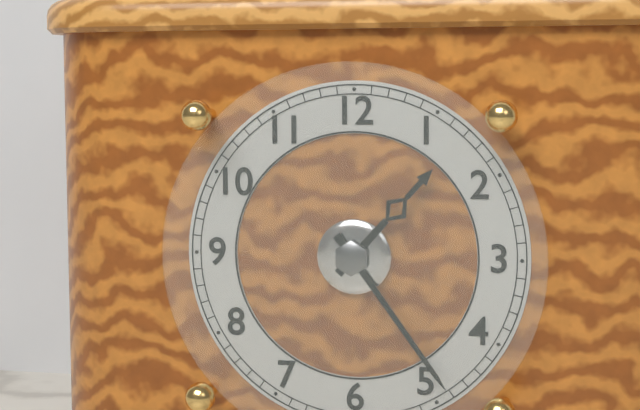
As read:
1.24
